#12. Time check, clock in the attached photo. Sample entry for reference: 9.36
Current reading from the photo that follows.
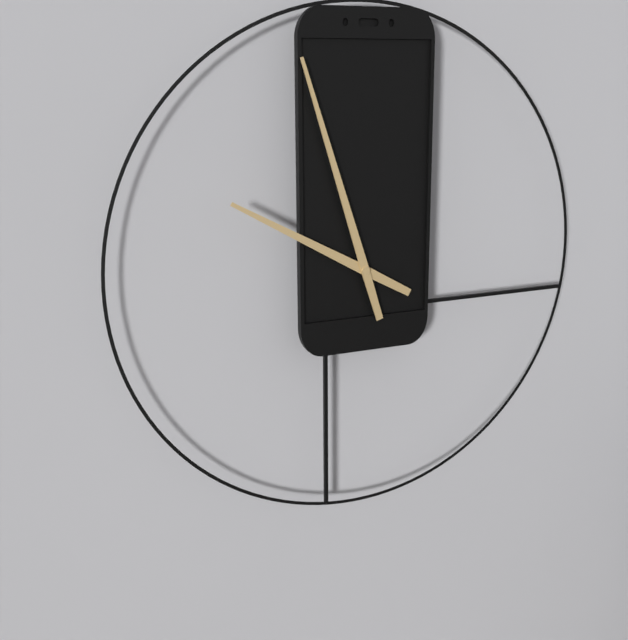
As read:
9.57
